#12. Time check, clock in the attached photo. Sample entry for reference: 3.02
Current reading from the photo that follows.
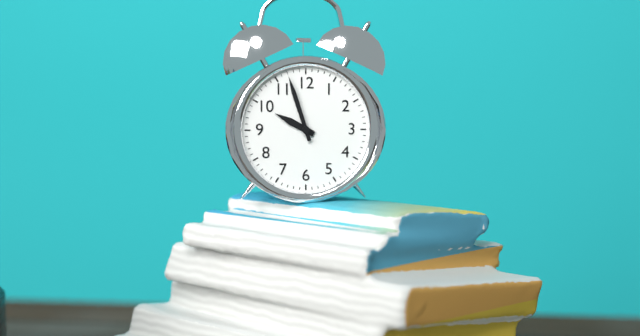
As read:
9.57
